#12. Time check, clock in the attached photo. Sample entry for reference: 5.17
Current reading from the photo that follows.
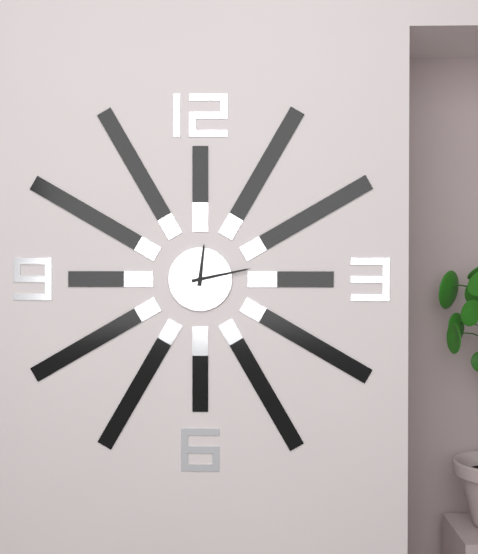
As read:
12.13
